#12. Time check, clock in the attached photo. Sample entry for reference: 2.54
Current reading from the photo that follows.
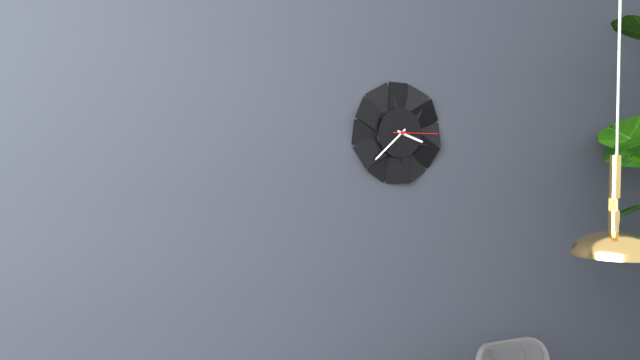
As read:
3.38
